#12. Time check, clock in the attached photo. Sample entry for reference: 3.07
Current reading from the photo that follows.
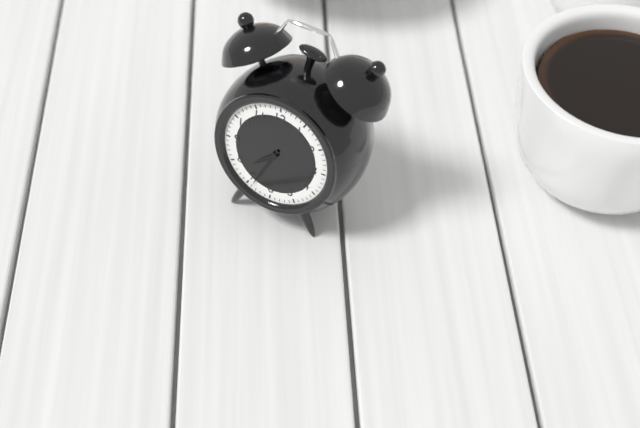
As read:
7.34
